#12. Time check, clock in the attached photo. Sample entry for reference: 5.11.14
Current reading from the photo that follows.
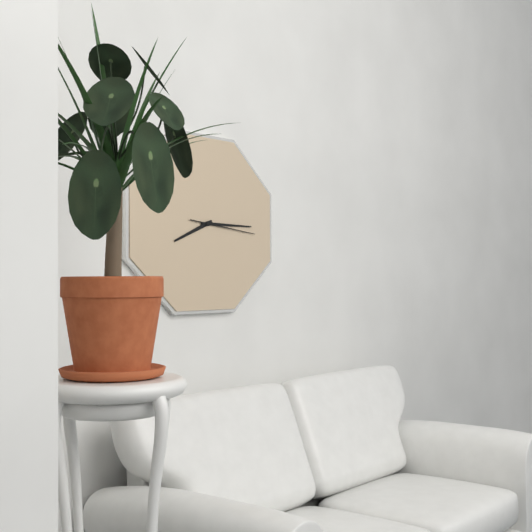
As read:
8.15.16
